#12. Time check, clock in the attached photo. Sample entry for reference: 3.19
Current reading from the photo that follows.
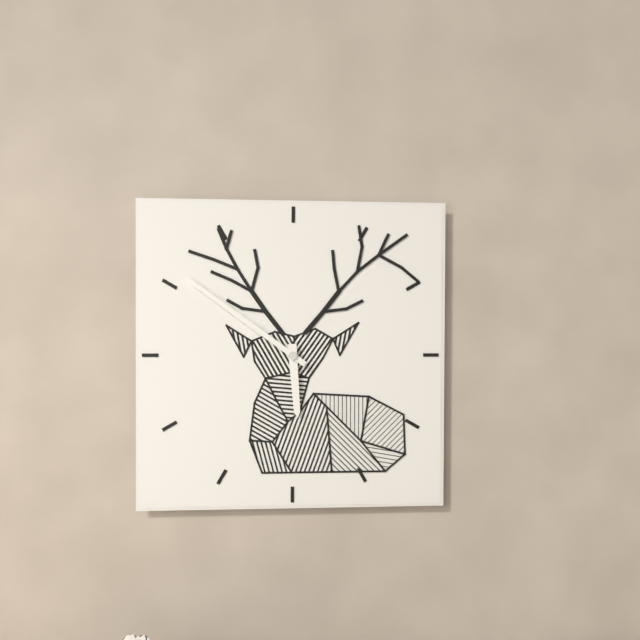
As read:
5.51
